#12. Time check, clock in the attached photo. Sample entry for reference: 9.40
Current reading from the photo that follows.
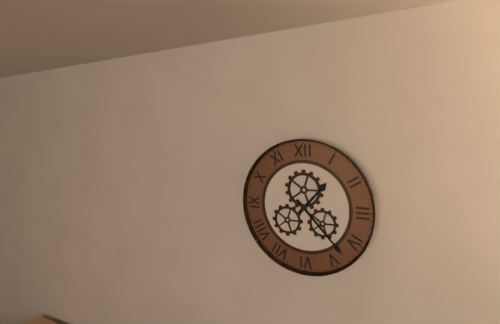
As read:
1.23
